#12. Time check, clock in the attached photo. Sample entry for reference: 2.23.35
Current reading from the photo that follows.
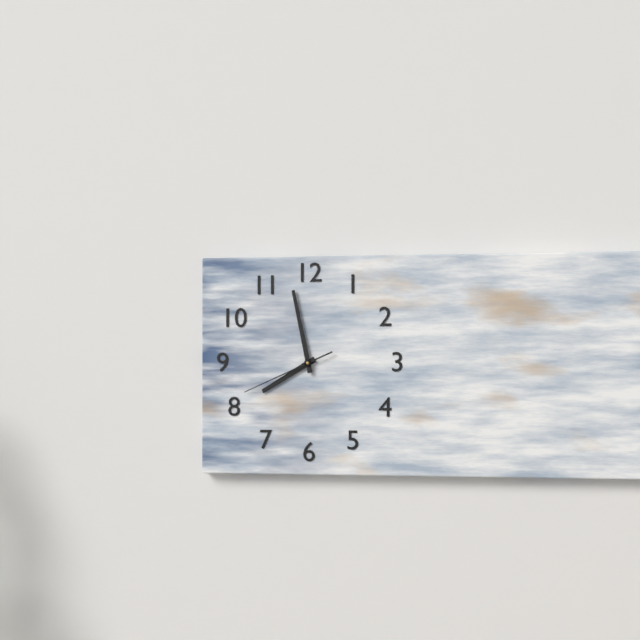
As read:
7.58.41
